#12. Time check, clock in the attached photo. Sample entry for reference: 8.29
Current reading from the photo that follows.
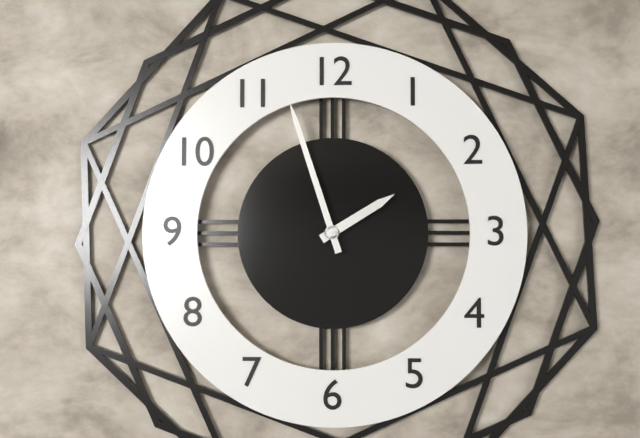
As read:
1.57
